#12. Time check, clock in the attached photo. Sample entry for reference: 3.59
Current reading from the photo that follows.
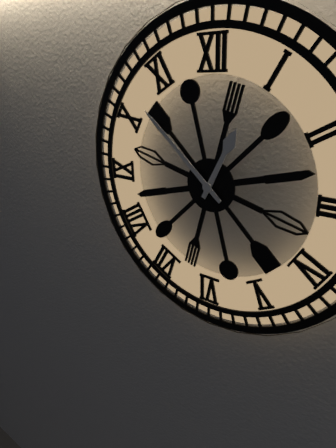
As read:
12.52
